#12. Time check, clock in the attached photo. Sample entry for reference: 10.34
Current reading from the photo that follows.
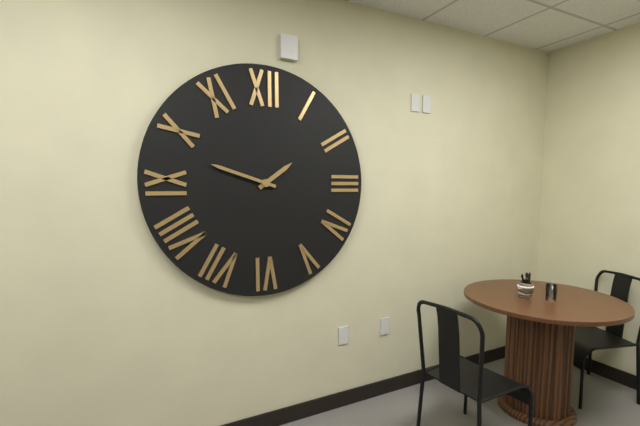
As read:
1.48
